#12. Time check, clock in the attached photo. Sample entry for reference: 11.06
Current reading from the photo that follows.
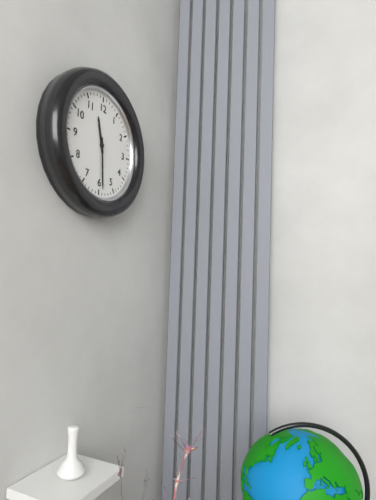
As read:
11.29
